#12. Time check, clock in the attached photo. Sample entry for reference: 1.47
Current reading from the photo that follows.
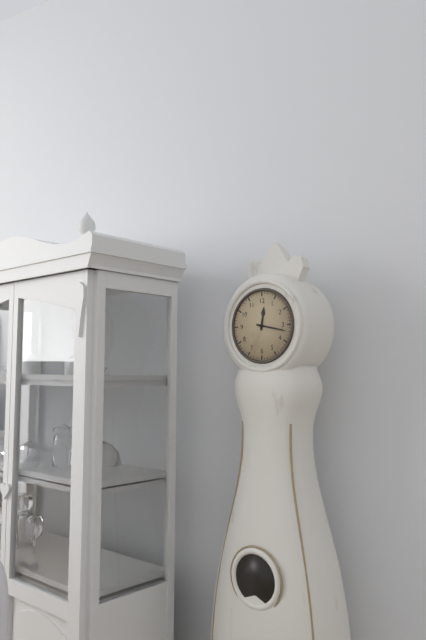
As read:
12.17
